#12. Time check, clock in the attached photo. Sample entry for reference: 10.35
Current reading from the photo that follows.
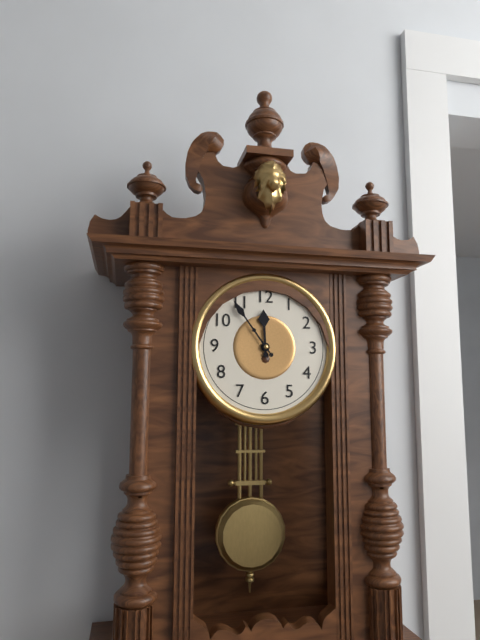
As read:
11.54
